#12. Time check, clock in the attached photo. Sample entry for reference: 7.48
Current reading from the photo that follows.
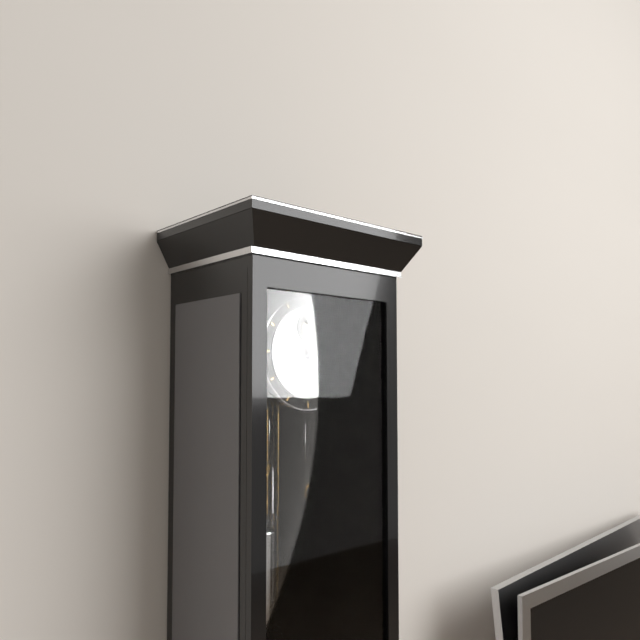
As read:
5.08
